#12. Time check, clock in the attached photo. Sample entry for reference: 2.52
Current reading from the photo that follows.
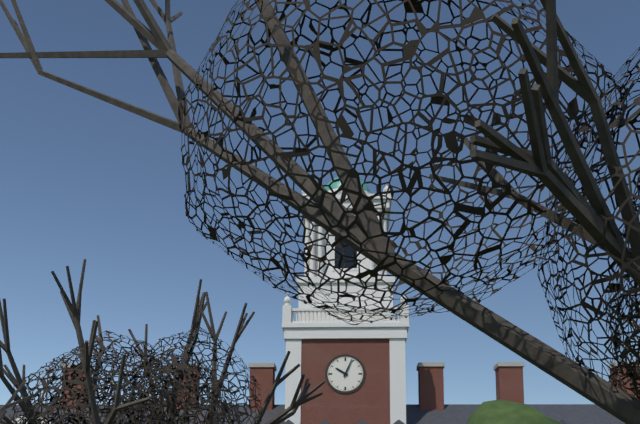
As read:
10.04
